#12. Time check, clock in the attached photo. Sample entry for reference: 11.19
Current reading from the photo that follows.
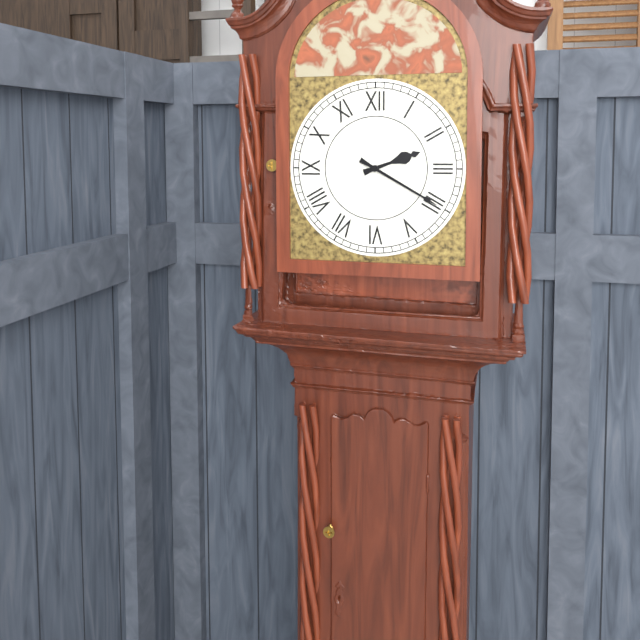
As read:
2.20
